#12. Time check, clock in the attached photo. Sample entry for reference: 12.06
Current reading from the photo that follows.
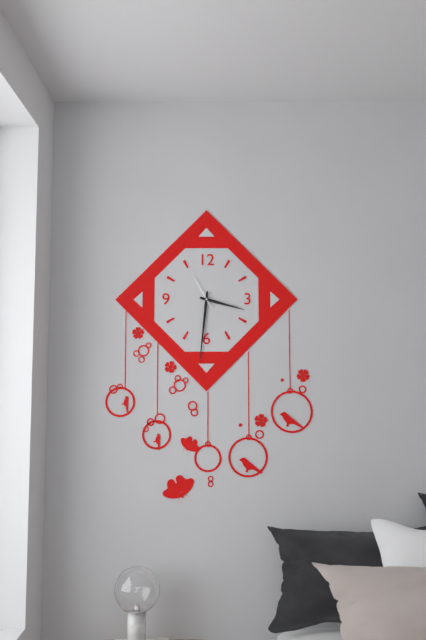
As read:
3.31
